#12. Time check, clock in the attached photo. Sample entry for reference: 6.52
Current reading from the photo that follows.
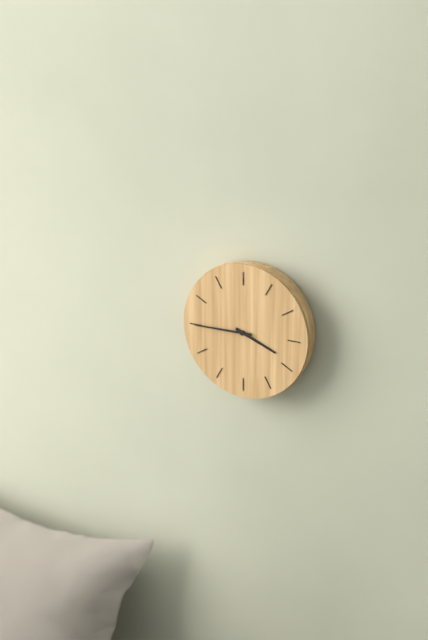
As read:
3.45
